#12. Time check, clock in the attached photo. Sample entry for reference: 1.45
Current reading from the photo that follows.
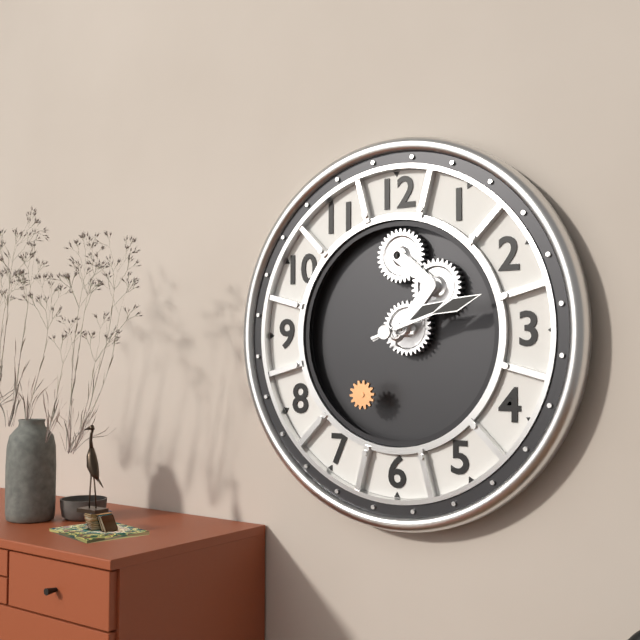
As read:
2.12
